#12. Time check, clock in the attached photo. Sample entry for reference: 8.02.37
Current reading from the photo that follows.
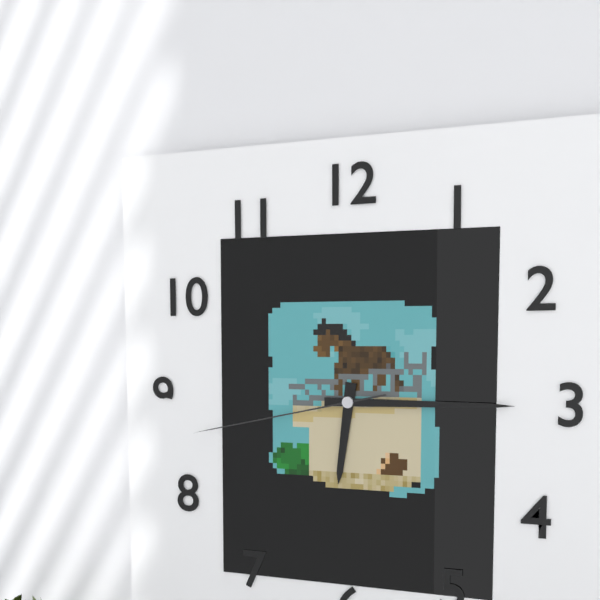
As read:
6.15.43
